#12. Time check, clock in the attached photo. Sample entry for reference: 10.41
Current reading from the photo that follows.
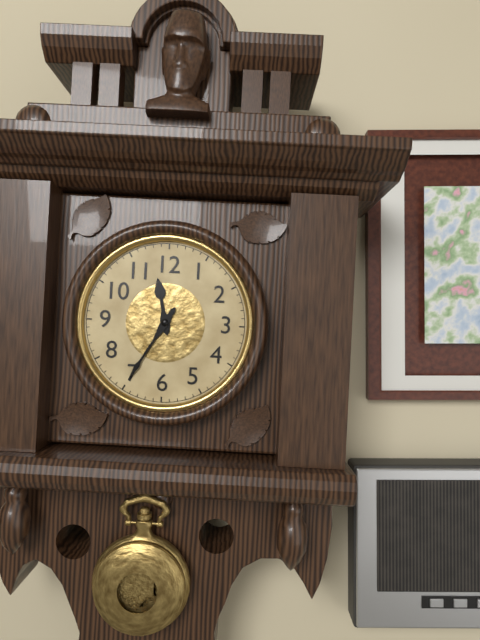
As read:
11.35
